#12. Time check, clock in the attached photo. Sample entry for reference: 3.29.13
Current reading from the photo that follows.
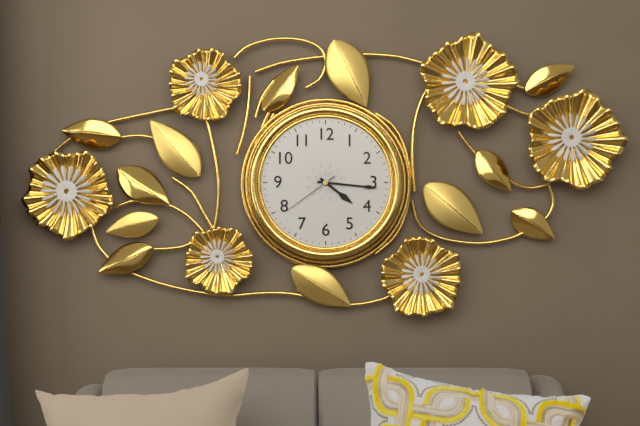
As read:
4.16.39
